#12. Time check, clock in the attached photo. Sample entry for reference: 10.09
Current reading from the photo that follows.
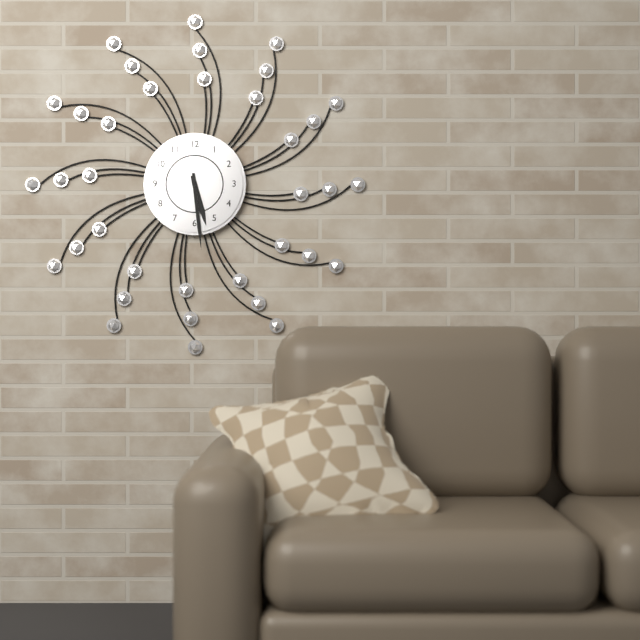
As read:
5.29
